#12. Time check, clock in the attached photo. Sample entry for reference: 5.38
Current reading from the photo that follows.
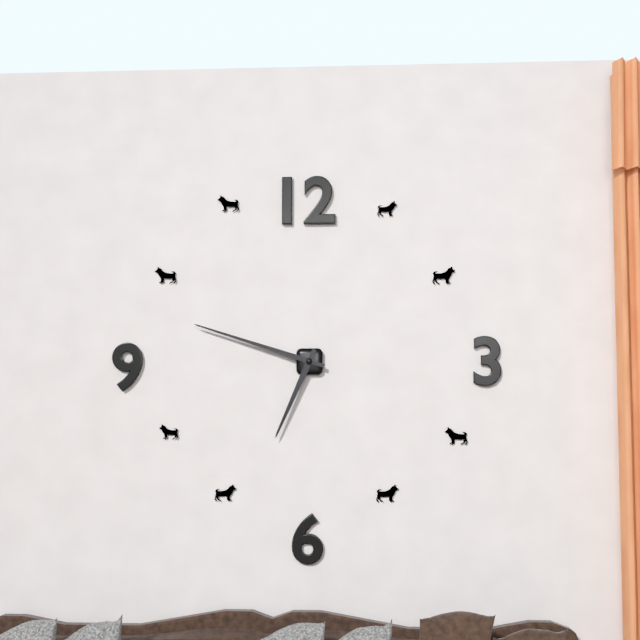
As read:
6.48
